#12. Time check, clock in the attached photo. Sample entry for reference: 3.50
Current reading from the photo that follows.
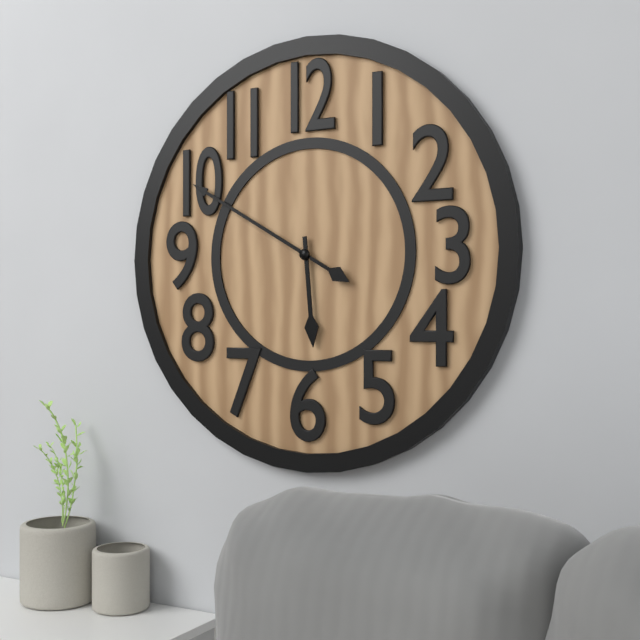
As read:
5.50
